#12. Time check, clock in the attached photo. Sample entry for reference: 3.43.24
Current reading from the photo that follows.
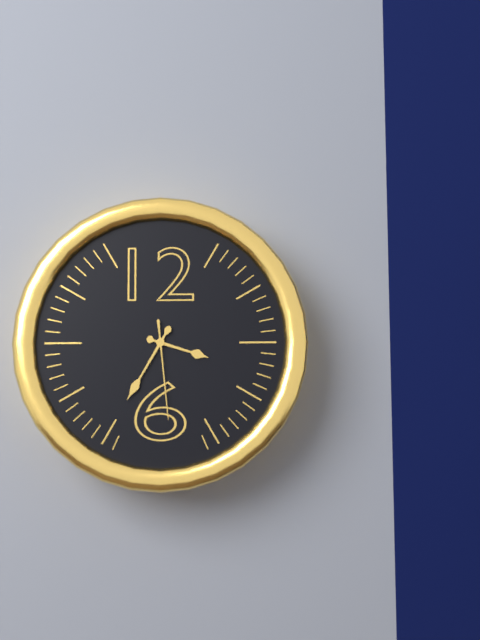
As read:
3.35.29
